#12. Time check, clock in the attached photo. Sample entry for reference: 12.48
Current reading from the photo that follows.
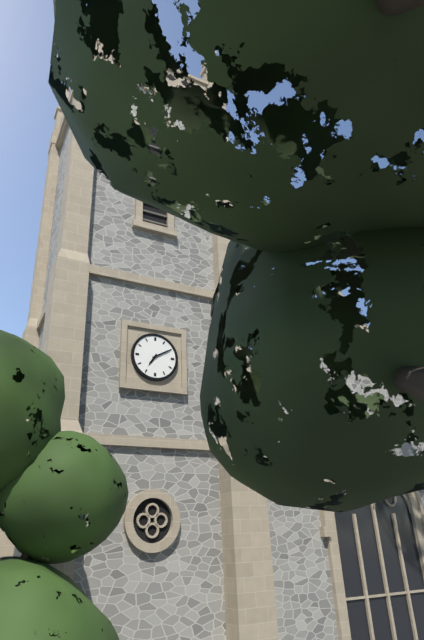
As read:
7.10
